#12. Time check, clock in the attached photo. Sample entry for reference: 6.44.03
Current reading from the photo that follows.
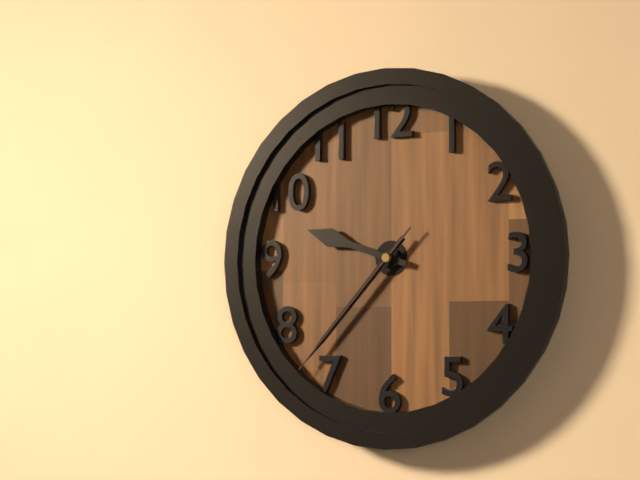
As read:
9.37.37
